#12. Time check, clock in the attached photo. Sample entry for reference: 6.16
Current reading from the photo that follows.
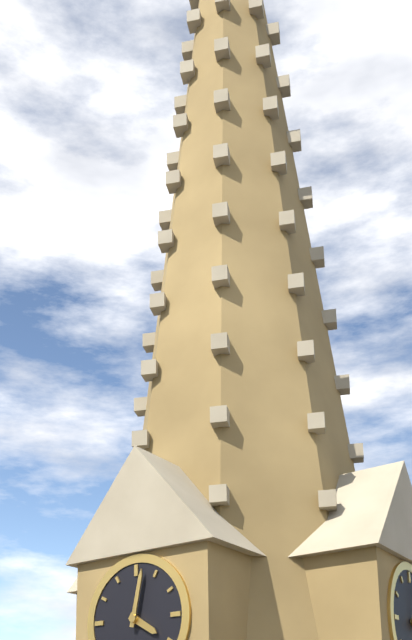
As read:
4.02
